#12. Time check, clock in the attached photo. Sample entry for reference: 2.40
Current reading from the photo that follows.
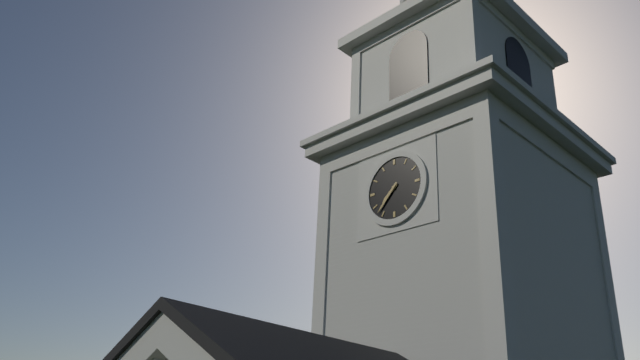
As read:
7.37
